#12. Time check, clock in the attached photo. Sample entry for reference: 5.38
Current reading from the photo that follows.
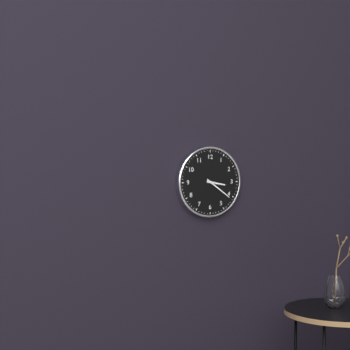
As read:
3.21
